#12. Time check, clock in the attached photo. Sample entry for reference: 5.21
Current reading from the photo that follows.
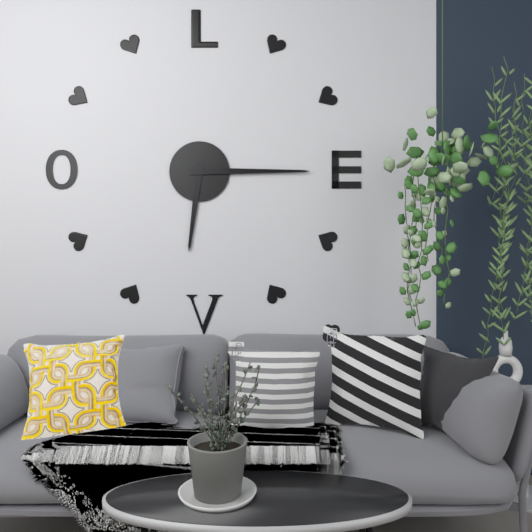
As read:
6.15
